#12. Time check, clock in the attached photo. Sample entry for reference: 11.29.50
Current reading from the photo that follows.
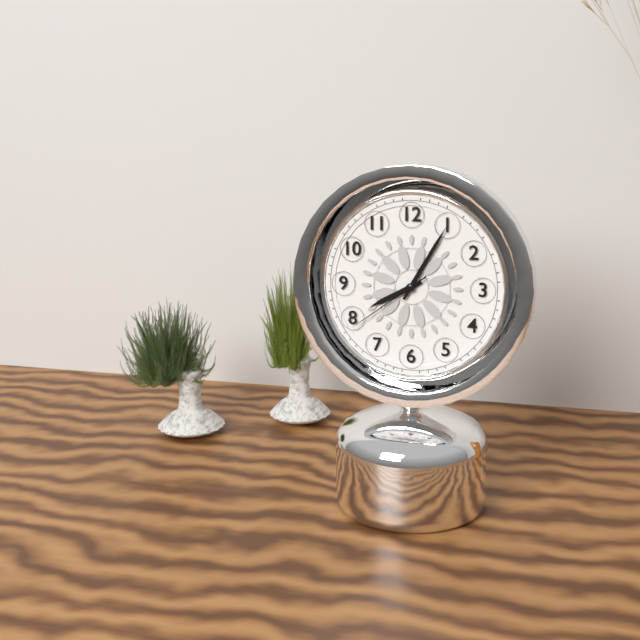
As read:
8.05.39
